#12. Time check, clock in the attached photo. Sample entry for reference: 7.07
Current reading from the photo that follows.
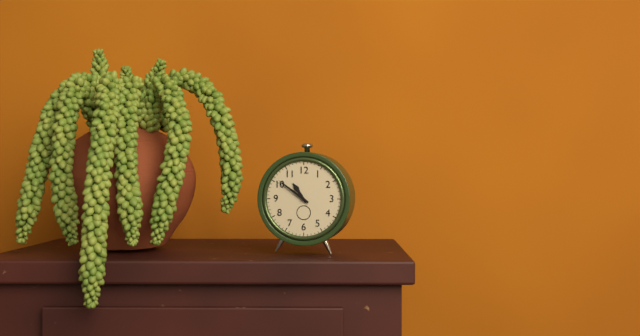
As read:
10.51
